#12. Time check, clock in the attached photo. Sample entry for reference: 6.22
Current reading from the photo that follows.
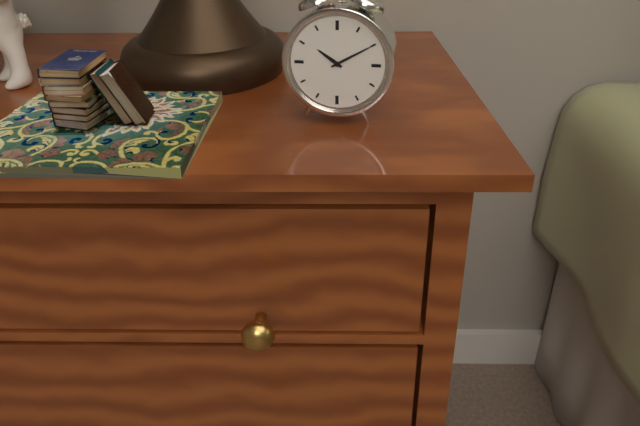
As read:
10.10
